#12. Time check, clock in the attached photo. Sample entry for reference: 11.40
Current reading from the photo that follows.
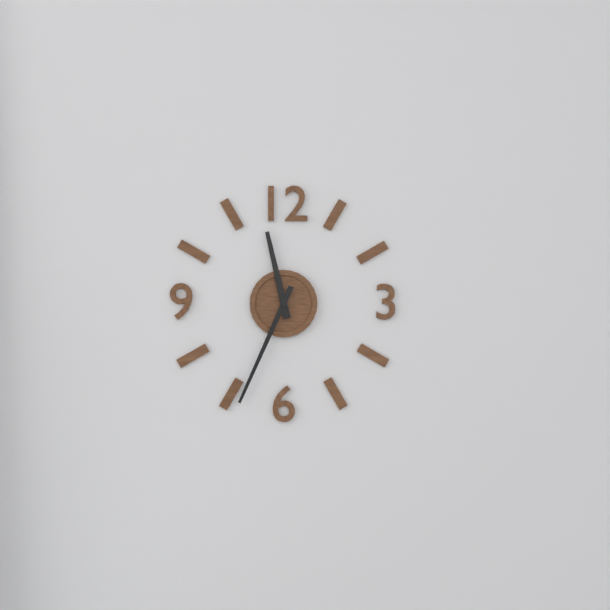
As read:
11.34
